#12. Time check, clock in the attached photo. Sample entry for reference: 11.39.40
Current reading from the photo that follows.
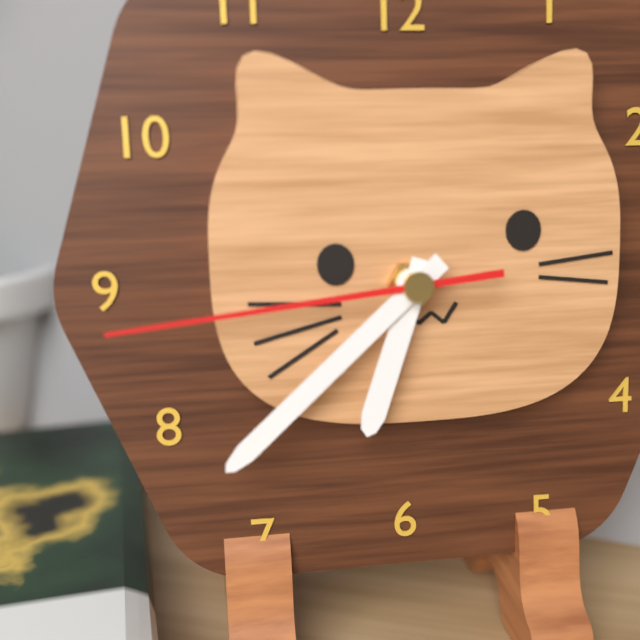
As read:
6.38.44
